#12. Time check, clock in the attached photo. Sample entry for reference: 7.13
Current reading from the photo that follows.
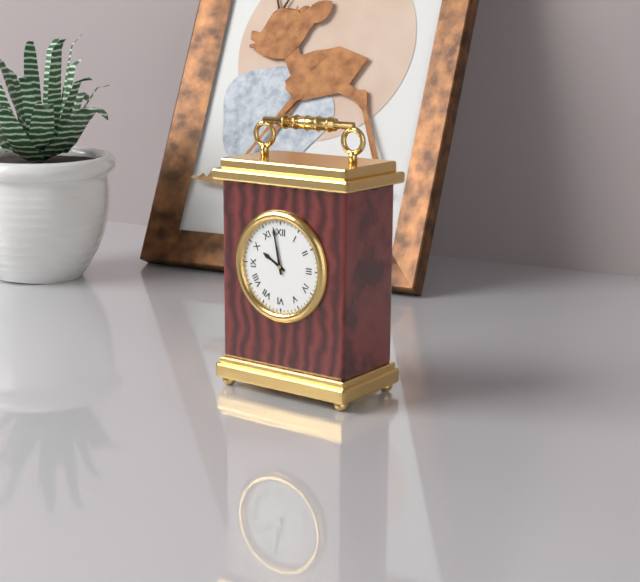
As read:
9.58
